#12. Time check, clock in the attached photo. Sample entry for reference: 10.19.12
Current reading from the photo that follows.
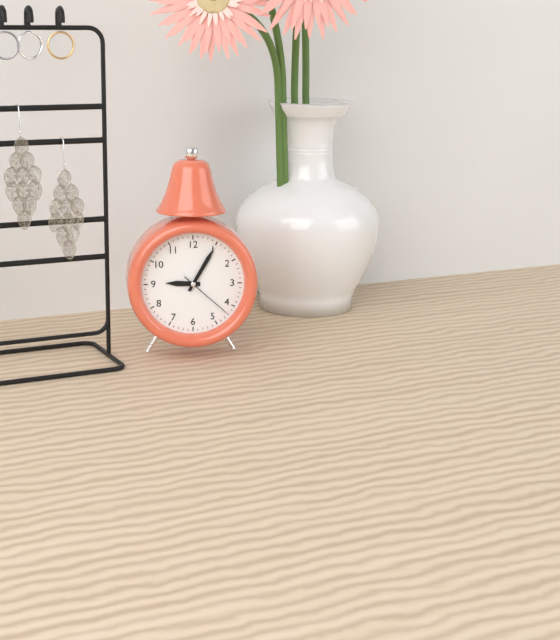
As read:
9.05.22
